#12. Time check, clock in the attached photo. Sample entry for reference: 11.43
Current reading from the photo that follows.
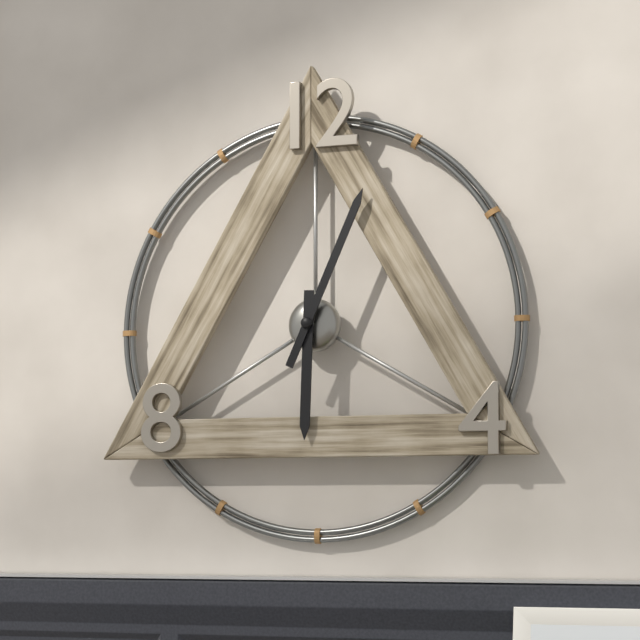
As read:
6.04
